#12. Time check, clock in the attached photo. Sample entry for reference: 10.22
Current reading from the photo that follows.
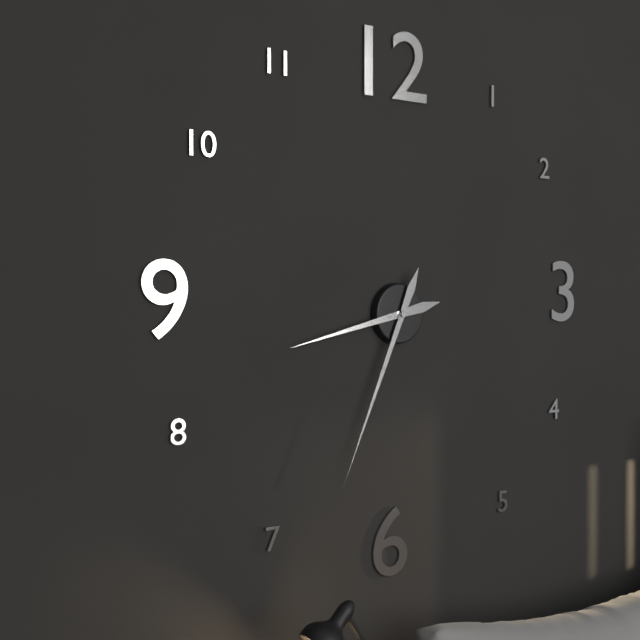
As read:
8.34
